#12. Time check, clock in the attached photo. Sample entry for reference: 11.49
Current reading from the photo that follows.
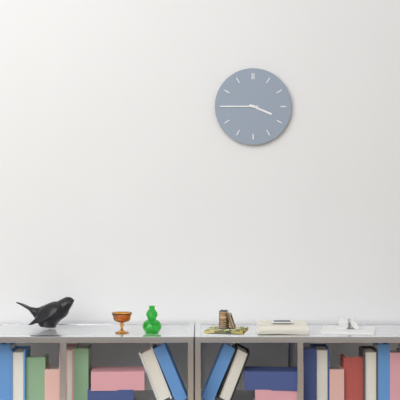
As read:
3.45
